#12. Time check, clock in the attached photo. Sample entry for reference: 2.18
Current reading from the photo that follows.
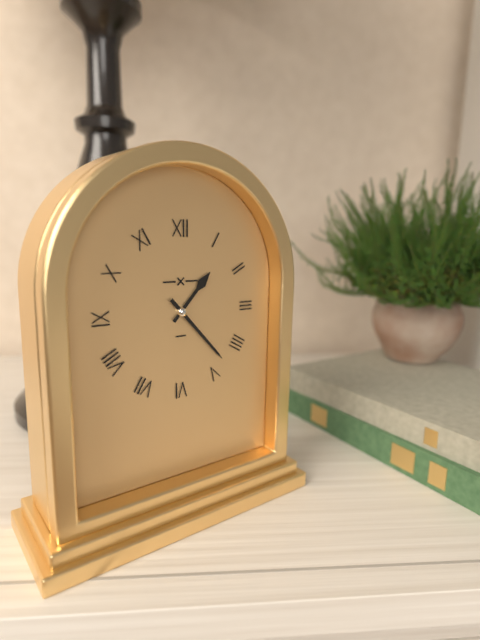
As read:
1.23
